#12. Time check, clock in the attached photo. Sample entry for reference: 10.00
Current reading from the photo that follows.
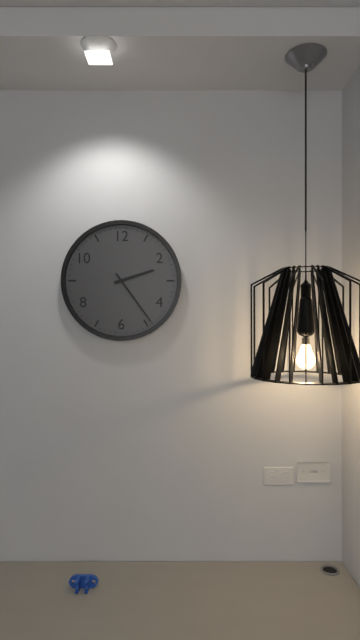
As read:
2.24
